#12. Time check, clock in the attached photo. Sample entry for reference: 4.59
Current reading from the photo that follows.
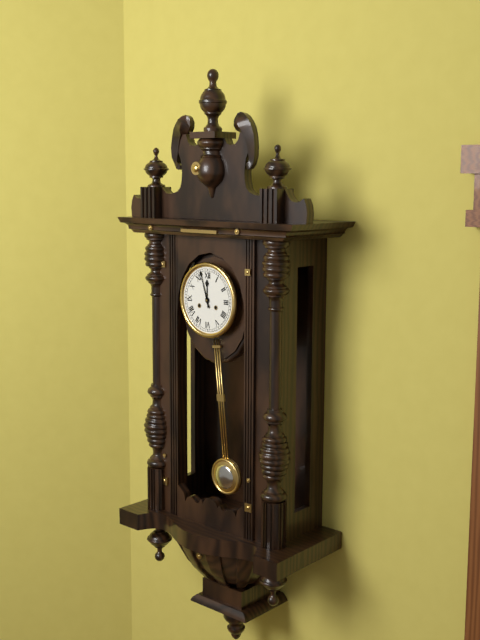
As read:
11.57
